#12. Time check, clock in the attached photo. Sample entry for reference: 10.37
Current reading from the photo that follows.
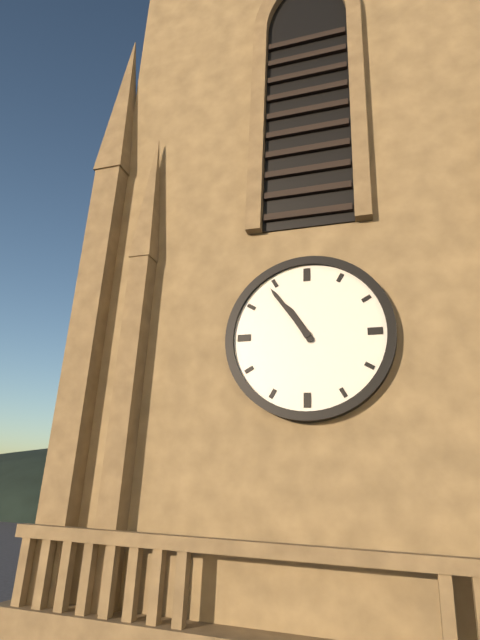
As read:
10.54
